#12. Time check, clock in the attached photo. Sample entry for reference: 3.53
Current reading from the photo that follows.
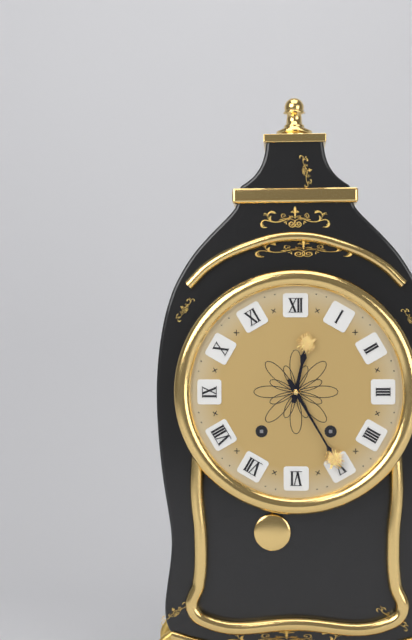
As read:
12.25
